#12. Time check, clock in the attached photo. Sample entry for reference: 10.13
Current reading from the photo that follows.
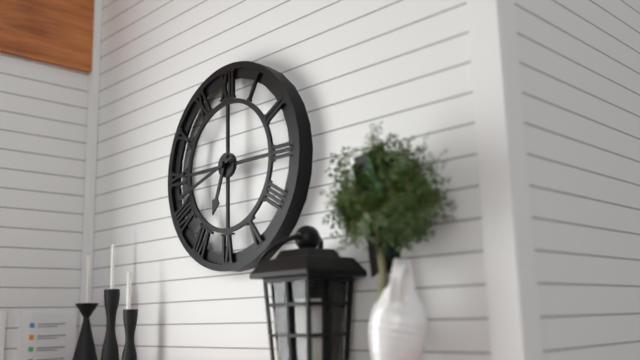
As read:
6.42
